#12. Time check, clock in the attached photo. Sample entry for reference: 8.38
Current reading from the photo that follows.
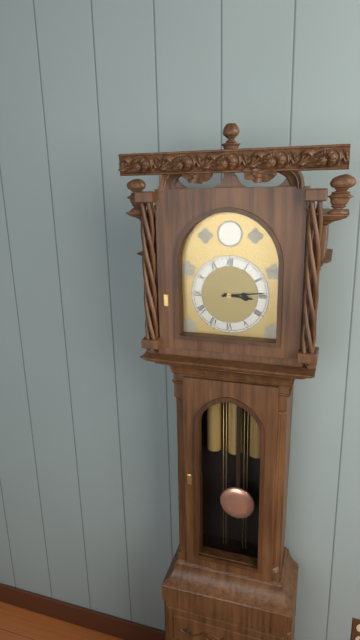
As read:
3.14
